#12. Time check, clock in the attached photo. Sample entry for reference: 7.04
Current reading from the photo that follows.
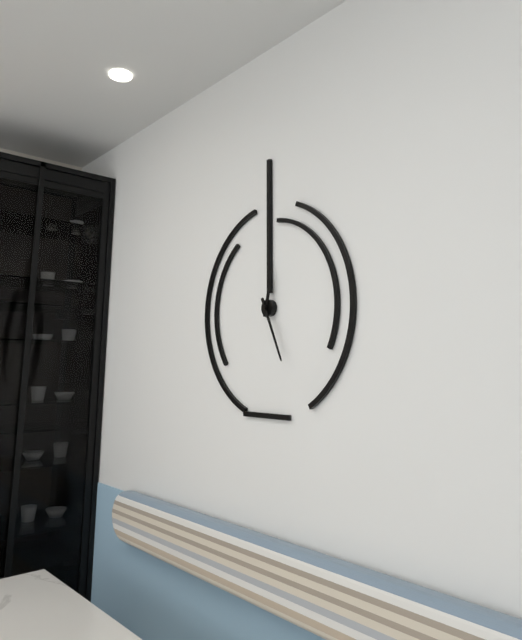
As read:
12.26
